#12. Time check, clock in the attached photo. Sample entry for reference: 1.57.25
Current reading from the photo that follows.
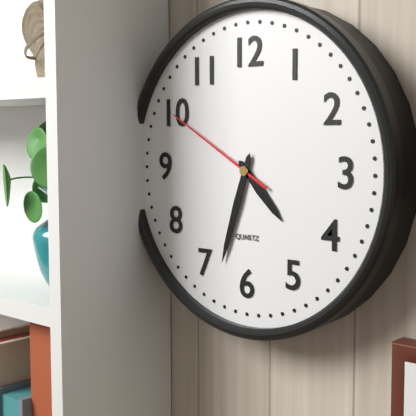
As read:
4.33.50
